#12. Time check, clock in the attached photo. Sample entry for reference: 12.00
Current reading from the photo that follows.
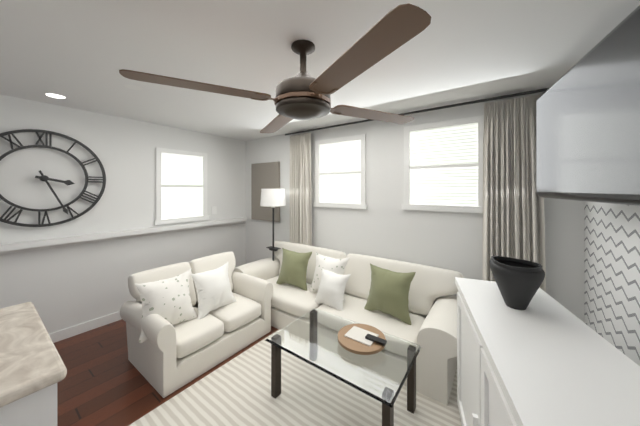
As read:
3.26
